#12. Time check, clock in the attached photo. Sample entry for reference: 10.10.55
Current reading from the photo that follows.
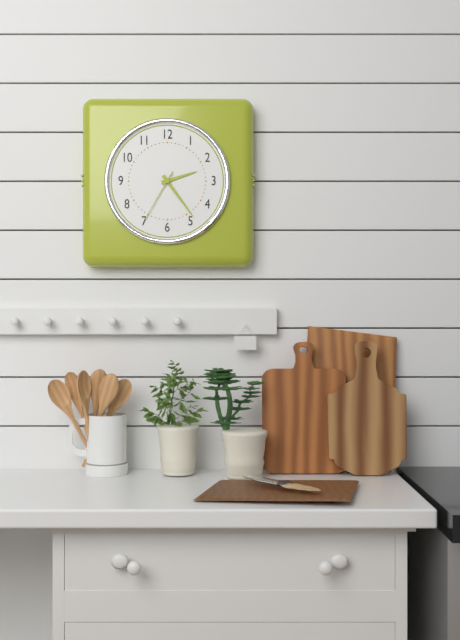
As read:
2.24.35
